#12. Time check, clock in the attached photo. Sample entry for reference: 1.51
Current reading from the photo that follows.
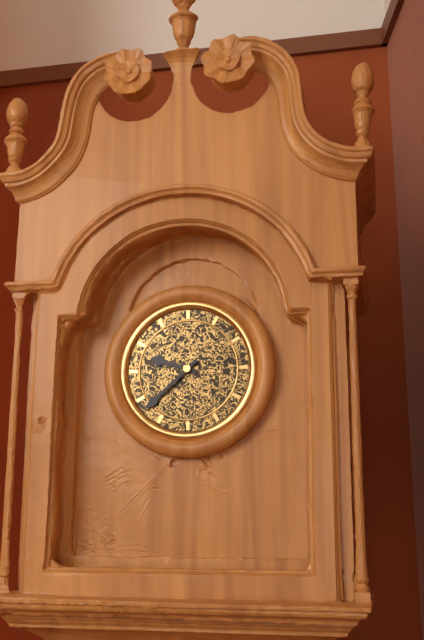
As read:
9.38
